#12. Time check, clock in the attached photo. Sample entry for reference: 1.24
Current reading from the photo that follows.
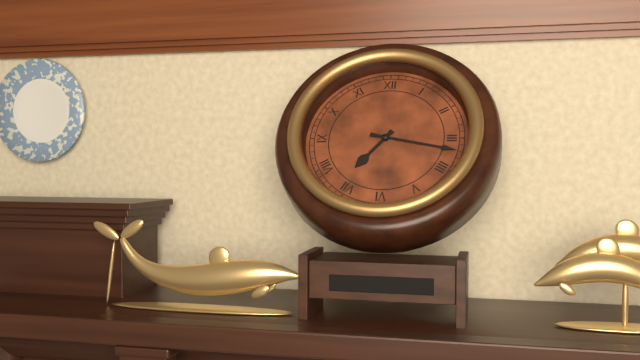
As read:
7.17
